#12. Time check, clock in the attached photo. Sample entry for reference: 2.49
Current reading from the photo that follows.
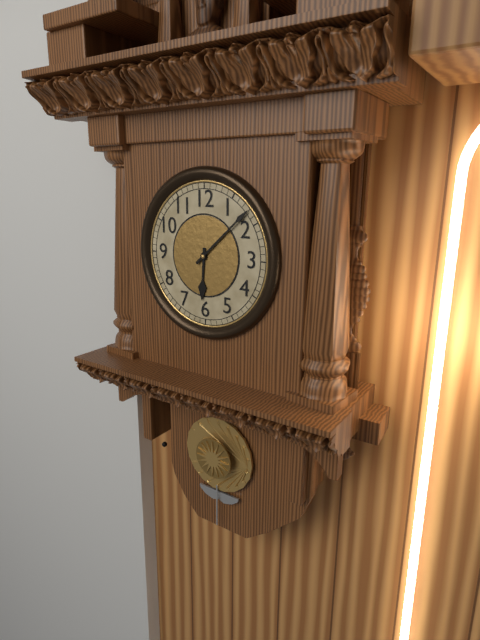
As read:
6.08
